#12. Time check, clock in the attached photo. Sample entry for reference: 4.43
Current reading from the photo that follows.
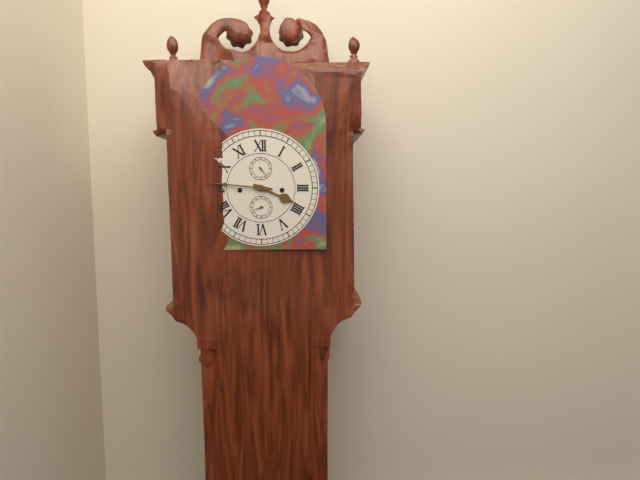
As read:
3.46
